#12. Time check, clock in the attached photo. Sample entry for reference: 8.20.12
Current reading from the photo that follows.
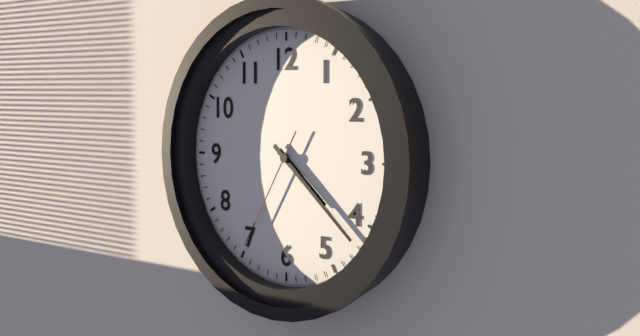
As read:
4.22.35
